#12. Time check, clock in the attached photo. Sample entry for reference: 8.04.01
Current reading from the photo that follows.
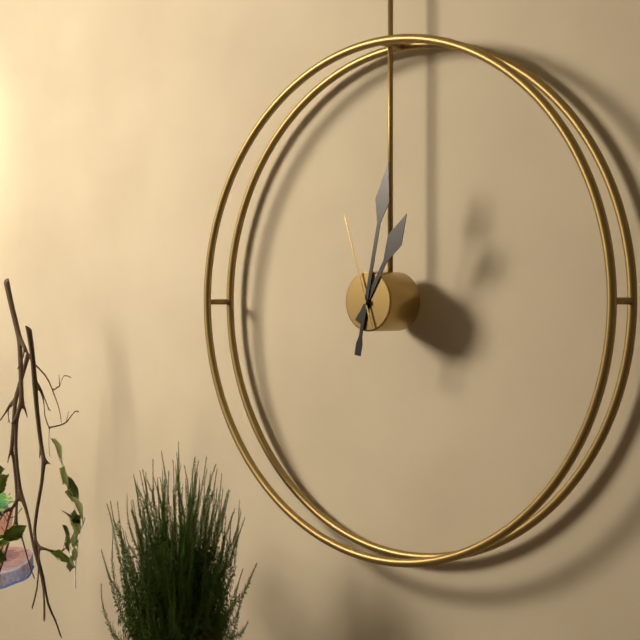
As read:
1.02.57
